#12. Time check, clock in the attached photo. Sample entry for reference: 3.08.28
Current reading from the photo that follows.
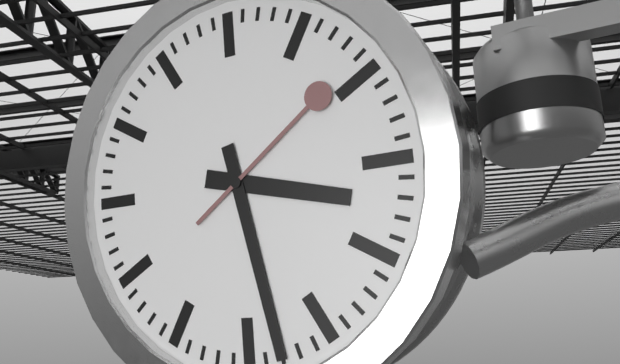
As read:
3.28.09
